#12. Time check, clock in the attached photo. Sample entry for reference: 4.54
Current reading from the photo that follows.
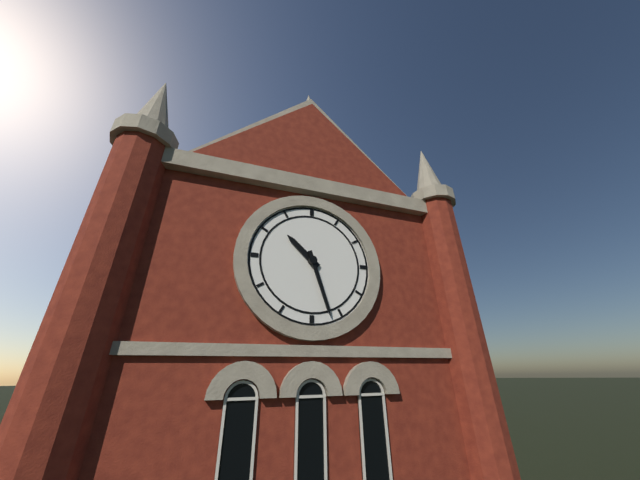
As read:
10.27
